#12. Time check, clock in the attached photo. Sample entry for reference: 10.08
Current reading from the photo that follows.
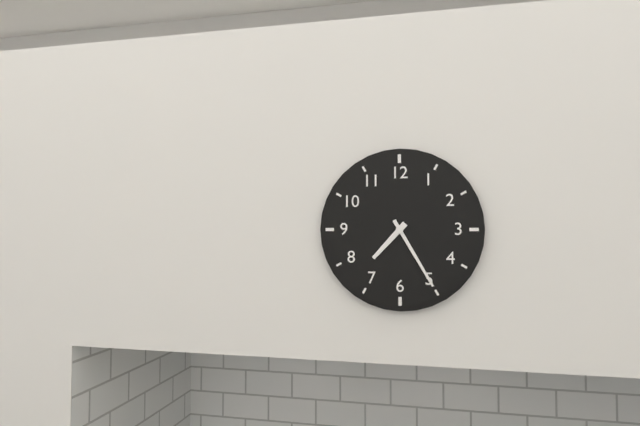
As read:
7.25
